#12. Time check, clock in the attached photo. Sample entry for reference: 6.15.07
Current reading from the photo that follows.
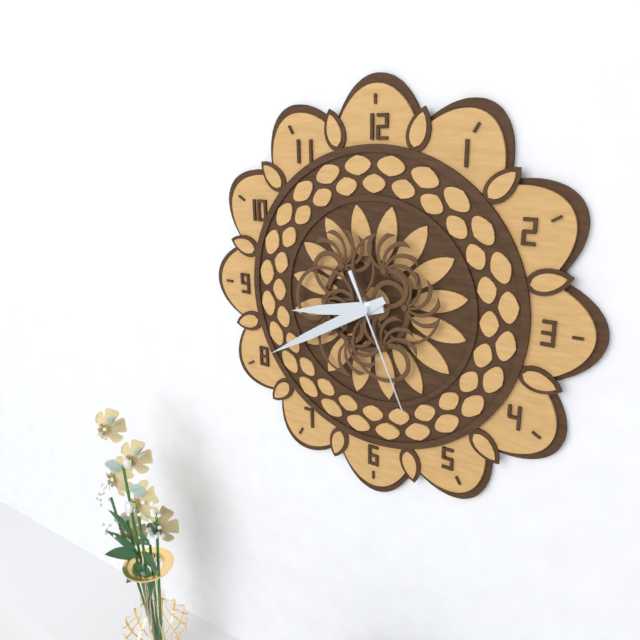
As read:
8.40.26
